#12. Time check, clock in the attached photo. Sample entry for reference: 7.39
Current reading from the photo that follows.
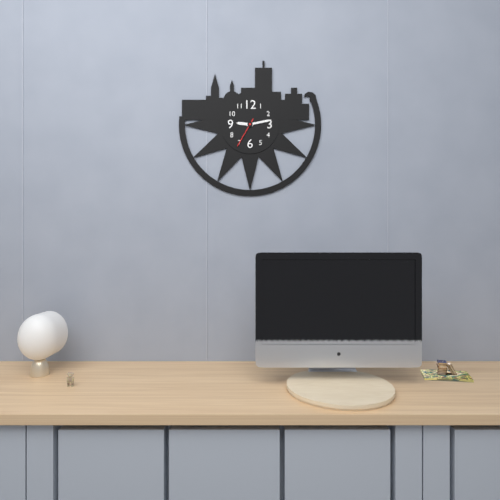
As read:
9.13
